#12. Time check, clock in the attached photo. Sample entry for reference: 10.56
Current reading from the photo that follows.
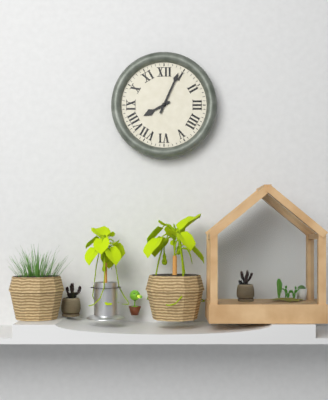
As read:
8.04
